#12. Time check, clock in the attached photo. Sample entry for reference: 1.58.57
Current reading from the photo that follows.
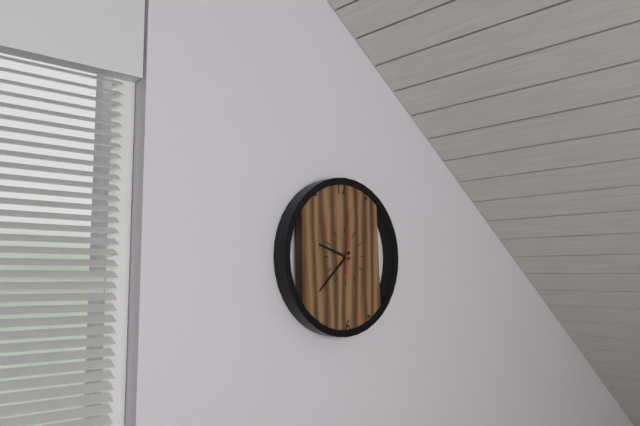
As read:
9.38.01
